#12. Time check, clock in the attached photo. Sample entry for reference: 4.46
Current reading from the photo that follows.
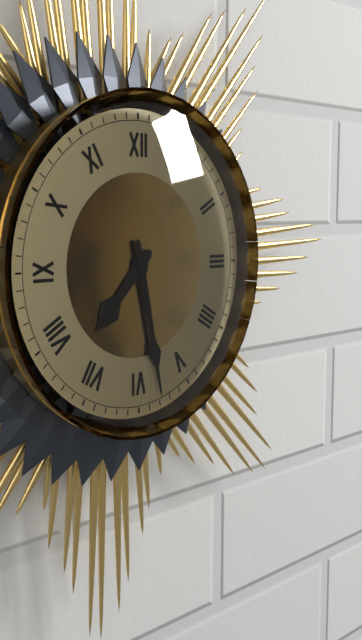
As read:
7.28
